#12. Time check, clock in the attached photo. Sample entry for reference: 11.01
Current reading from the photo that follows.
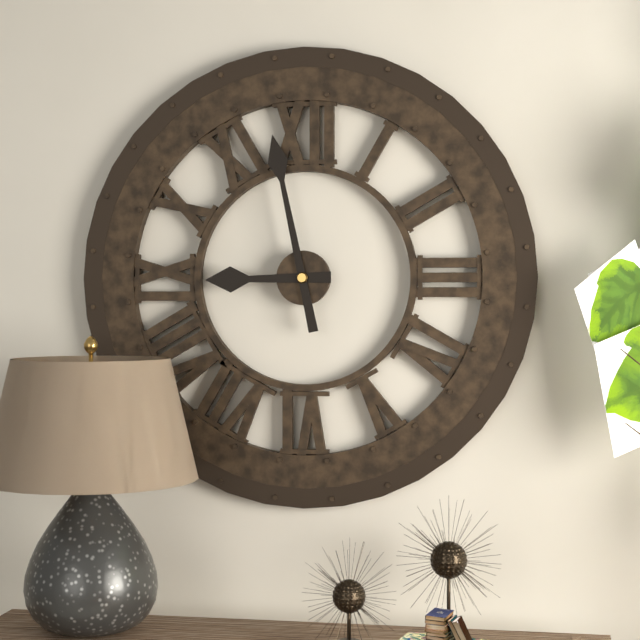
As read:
8.58
